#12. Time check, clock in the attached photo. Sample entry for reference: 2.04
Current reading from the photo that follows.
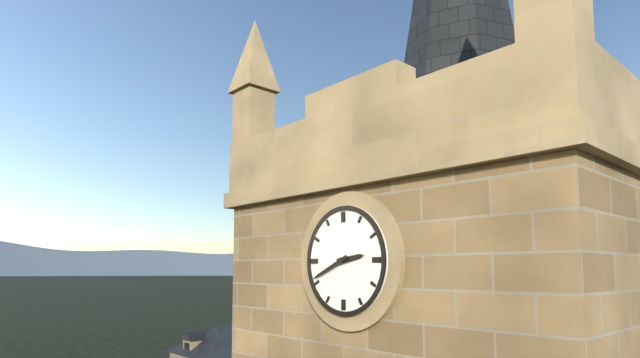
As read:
2.41
